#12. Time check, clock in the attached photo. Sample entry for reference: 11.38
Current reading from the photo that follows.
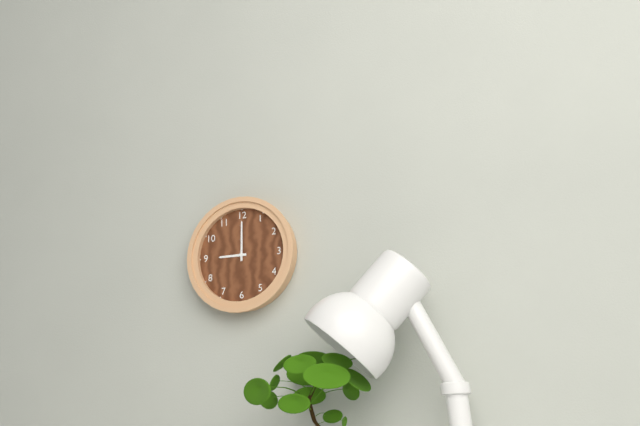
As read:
9.00
